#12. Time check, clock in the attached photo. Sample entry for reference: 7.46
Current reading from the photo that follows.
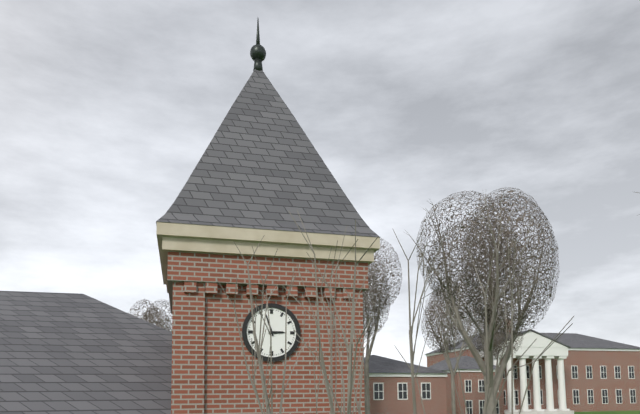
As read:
2.57
